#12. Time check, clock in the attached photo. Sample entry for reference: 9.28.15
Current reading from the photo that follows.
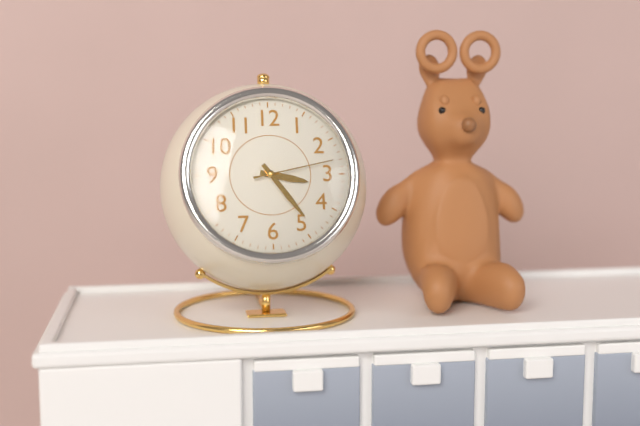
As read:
3.24.13
